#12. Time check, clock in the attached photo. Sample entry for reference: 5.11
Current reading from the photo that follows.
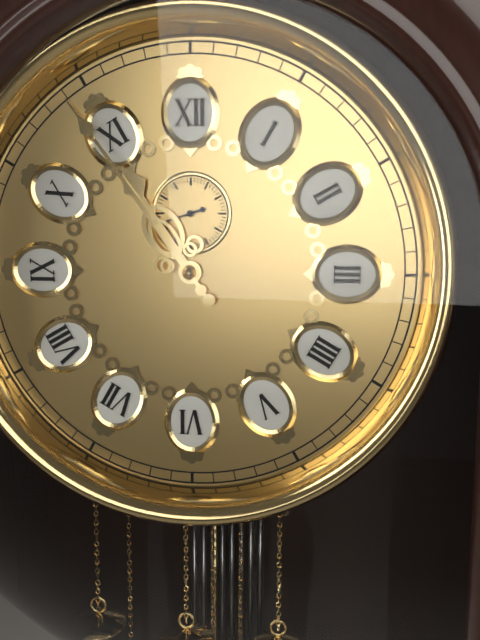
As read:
10.54
